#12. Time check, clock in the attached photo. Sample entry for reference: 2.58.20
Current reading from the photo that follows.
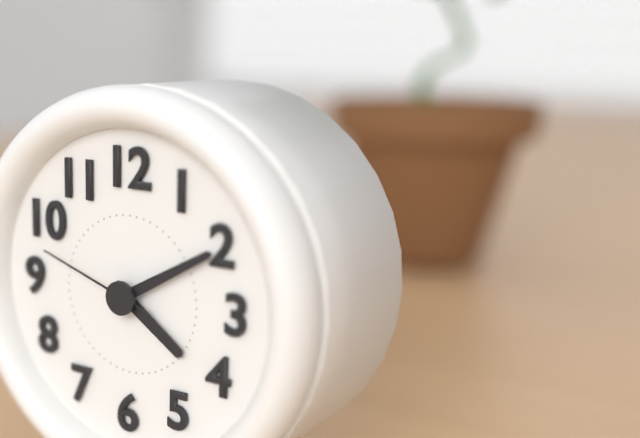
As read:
4.10.48
